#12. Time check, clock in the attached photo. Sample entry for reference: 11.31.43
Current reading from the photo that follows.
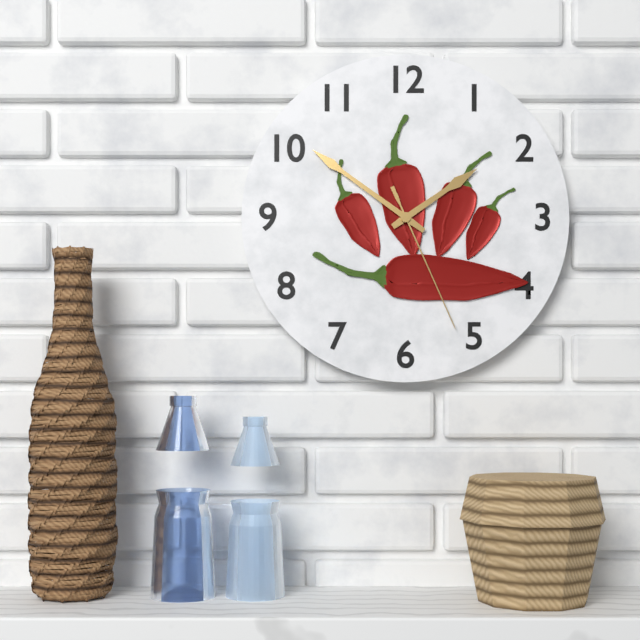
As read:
1.51.26
